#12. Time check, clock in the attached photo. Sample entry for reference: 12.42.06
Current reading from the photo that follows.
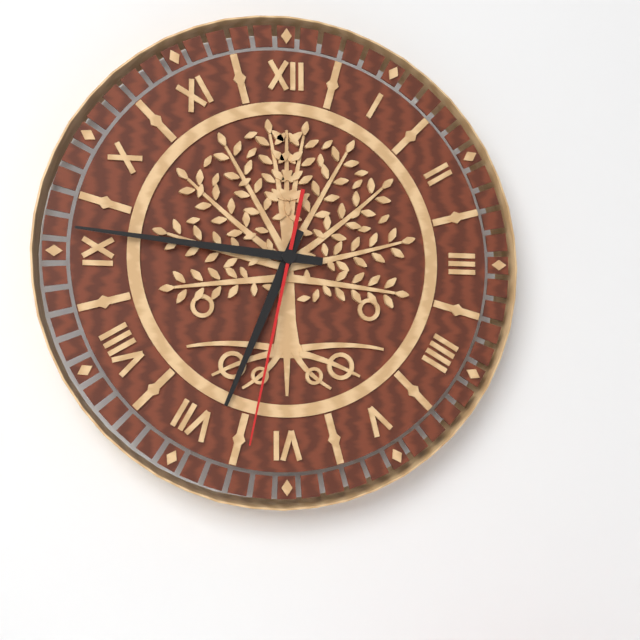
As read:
6.46.32
